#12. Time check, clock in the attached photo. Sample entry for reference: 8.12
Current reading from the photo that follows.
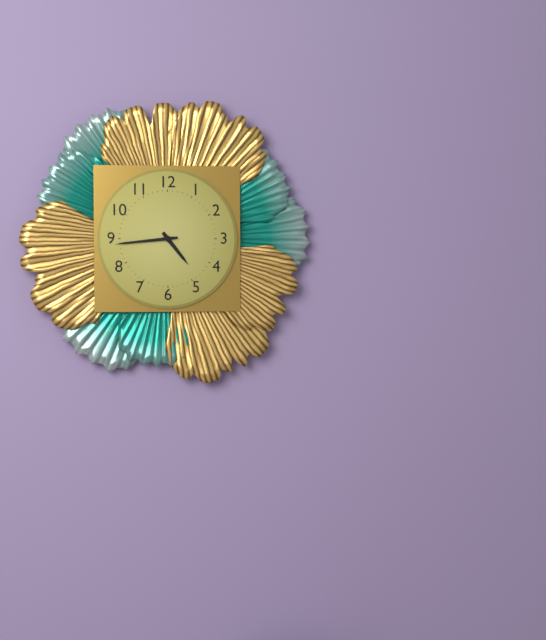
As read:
4.44
